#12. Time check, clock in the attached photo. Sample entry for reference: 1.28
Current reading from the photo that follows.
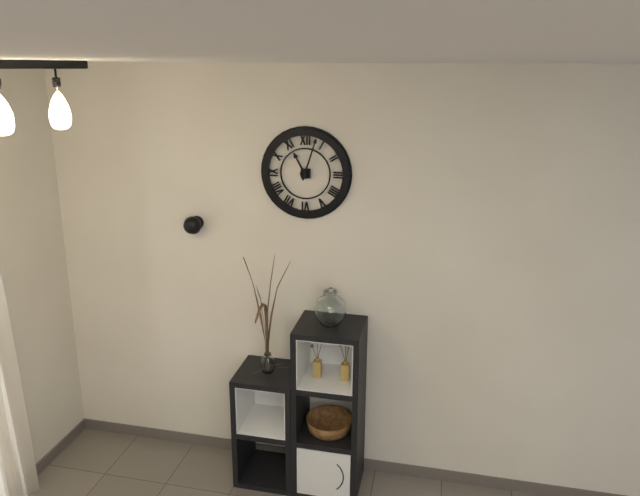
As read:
11.03
